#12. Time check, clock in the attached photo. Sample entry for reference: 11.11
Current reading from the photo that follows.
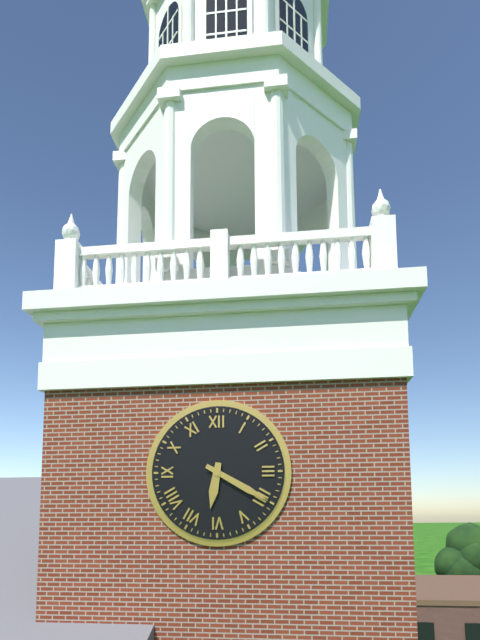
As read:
6.20
